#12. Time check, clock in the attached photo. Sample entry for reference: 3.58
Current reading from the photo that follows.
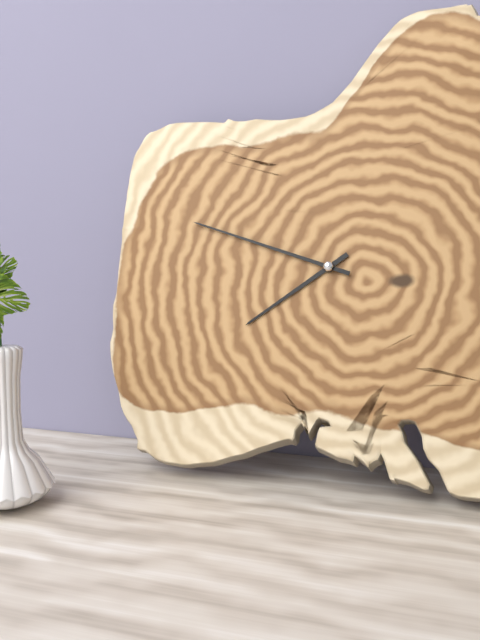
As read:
7.48
